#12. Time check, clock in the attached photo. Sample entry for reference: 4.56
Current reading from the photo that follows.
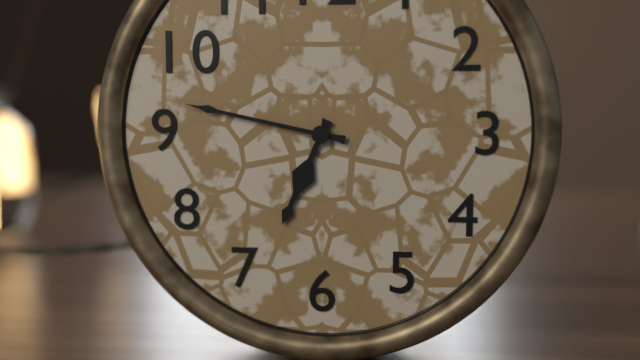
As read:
6.47
